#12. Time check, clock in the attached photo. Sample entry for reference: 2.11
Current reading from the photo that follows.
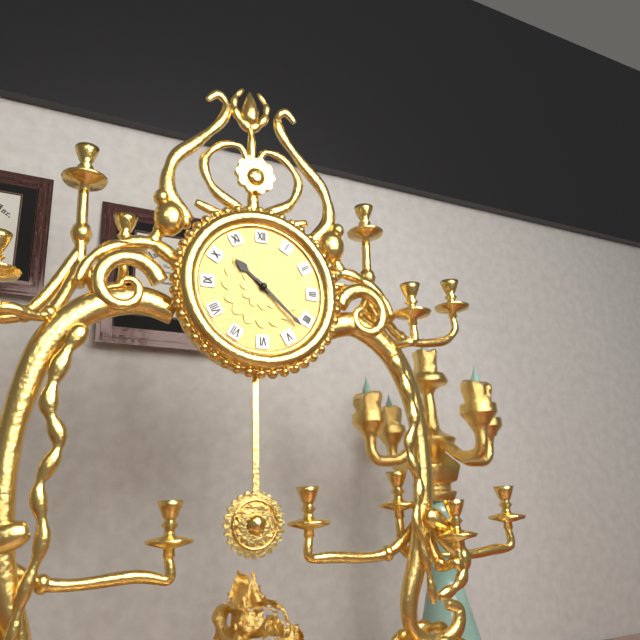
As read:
10.22
